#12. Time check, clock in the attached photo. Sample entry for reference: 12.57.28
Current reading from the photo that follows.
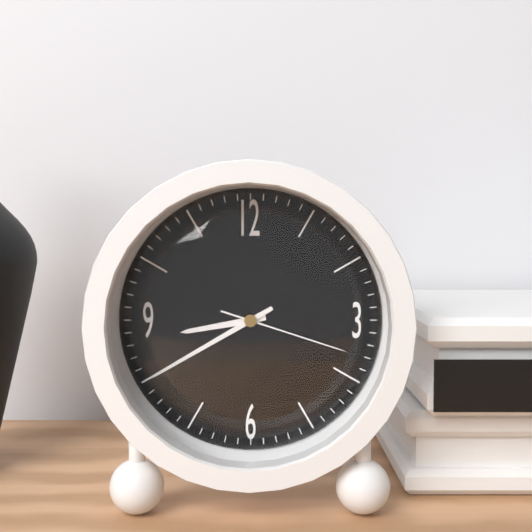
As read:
8.40.18
